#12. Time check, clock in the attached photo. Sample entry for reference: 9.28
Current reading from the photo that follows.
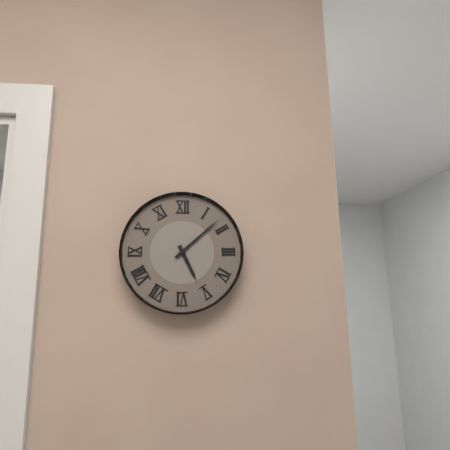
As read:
5.08
